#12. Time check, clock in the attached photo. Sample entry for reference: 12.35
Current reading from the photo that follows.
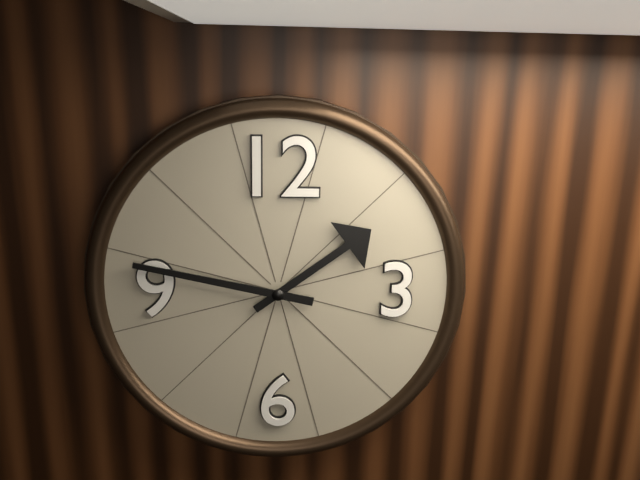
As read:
1.47
